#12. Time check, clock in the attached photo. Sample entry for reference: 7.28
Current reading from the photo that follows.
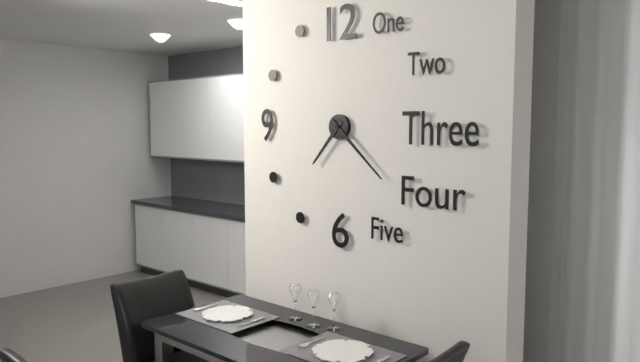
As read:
7.22
